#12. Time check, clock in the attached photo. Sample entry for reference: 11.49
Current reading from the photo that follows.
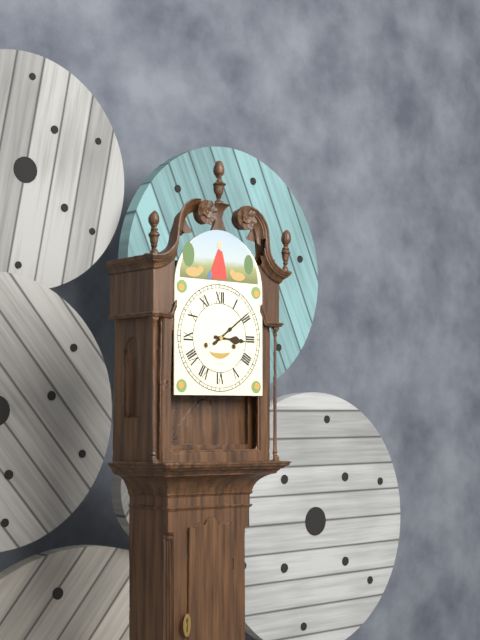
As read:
3.09
